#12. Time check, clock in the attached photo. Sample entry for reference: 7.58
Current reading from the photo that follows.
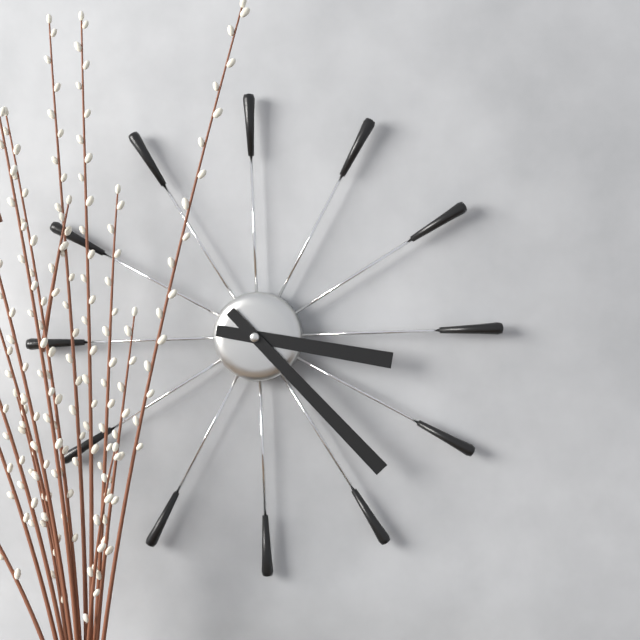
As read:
3.23
